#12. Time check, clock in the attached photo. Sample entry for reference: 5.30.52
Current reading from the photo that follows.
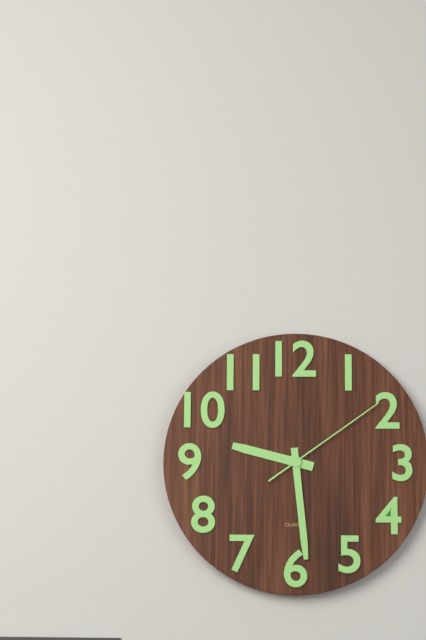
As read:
9.29.09
